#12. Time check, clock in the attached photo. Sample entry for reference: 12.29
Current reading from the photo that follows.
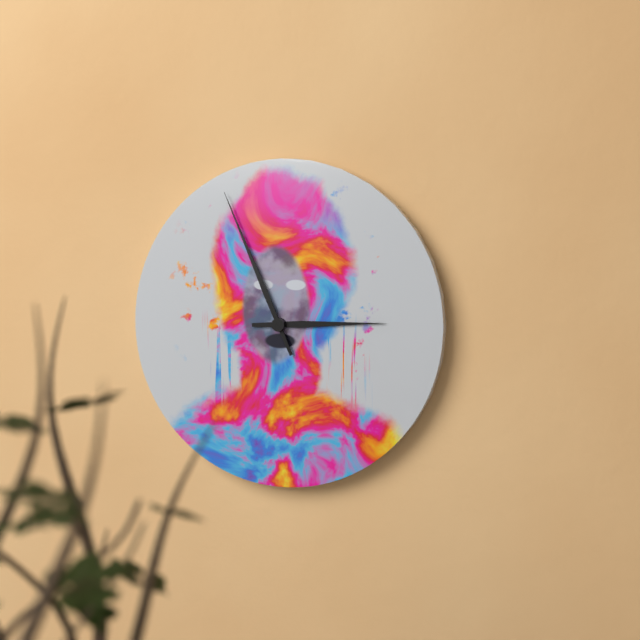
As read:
2.56
